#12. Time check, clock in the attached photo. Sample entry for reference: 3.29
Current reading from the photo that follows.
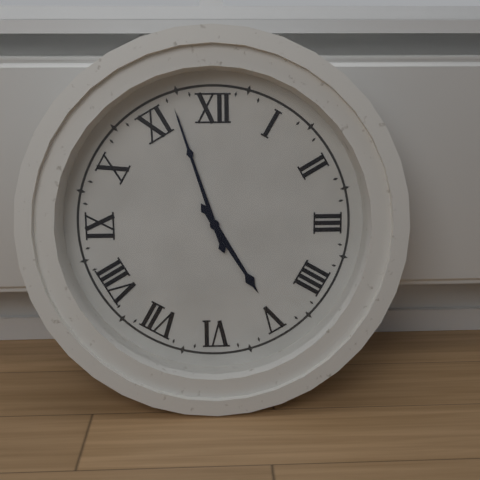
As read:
4.57
